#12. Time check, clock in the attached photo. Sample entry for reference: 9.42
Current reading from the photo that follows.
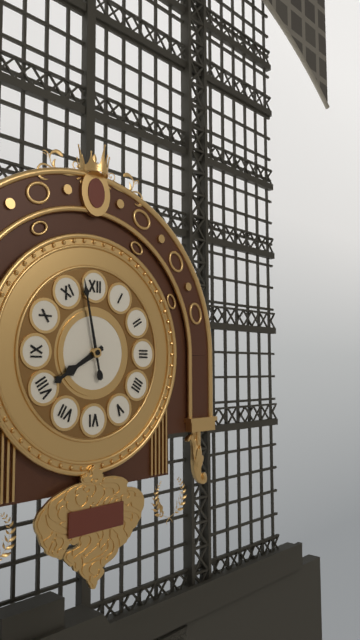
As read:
7.58
